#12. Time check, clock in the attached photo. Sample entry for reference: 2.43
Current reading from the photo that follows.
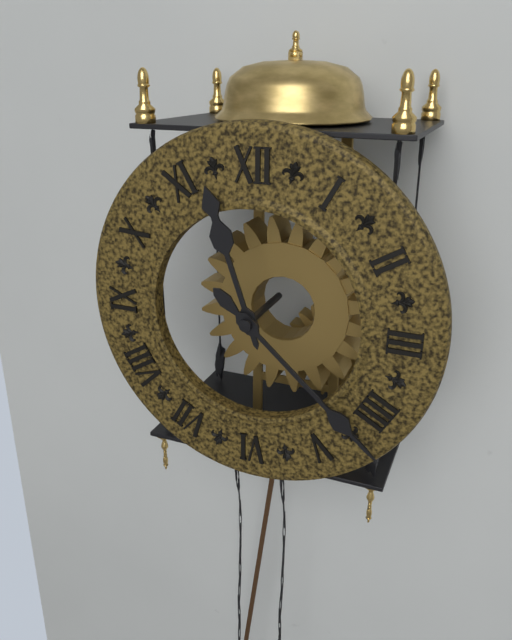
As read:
11.22
